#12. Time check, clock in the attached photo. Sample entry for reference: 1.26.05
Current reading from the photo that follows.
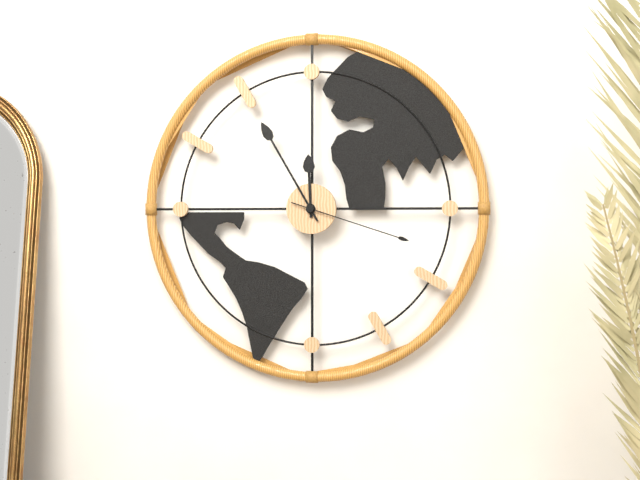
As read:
11.55.18
